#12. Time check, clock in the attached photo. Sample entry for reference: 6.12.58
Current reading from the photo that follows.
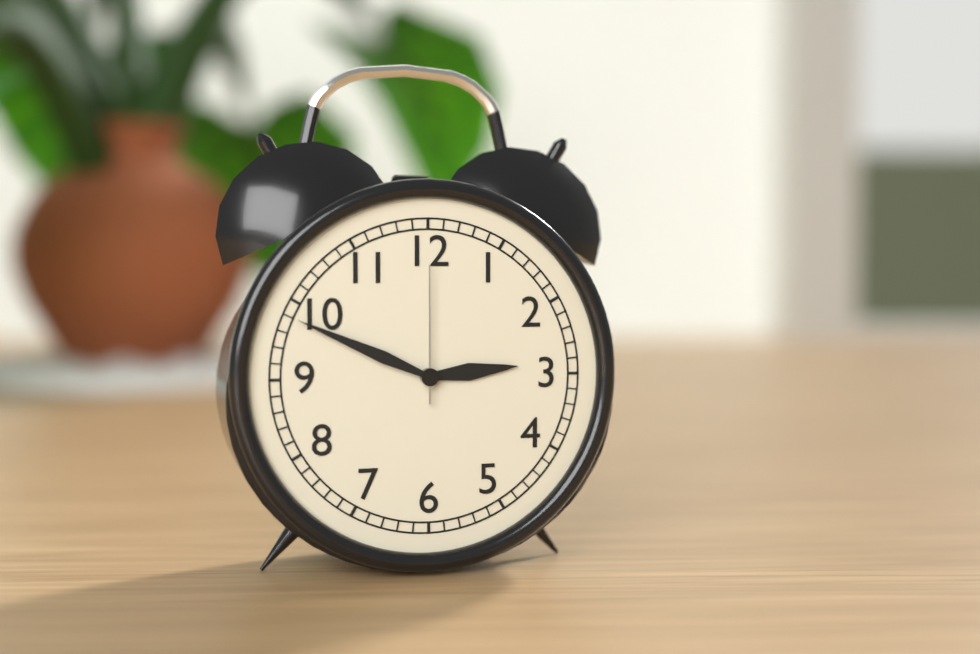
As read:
2.49.00
